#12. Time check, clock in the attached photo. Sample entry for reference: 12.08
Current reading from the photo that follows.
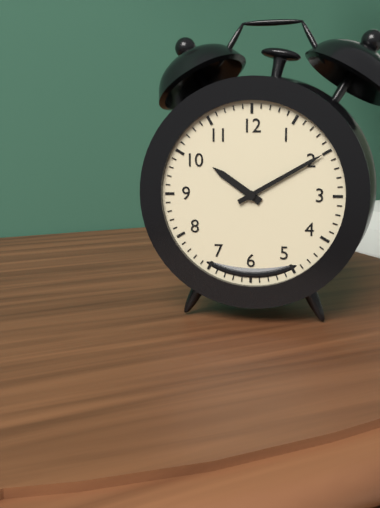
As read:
10.10
